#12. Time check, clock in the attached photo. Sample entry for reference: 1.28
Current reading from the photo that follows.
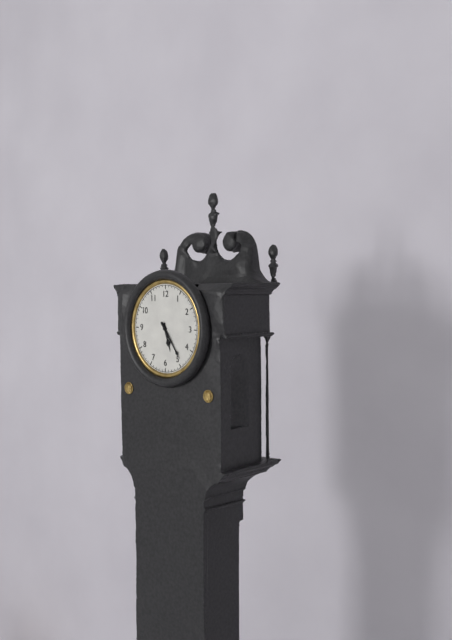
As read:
5.24
